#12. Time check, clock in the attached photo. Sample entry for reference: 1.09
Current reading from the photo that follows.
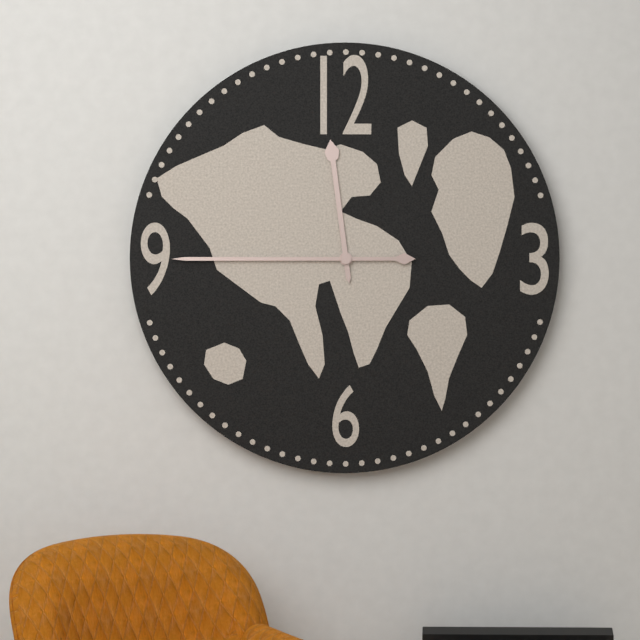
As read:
11.45
